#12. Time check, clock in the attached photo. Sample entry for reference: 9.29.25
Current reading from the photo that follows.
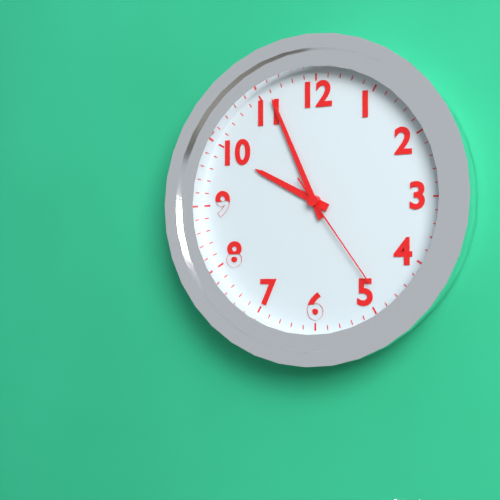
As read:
9.56.24
